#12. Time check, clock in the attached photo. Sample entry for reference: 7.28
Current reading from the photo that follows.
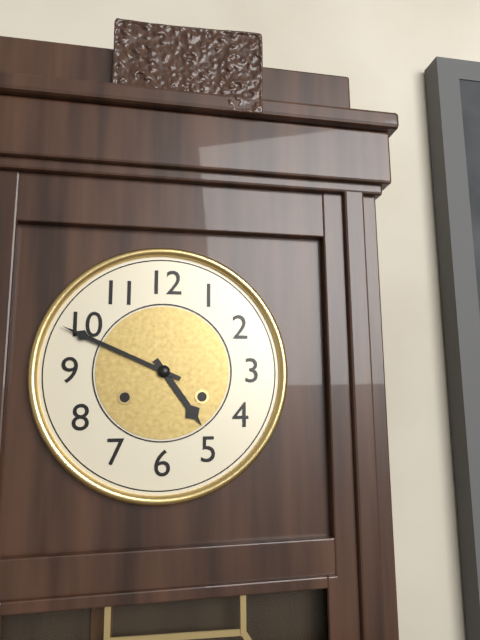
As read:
4.49
